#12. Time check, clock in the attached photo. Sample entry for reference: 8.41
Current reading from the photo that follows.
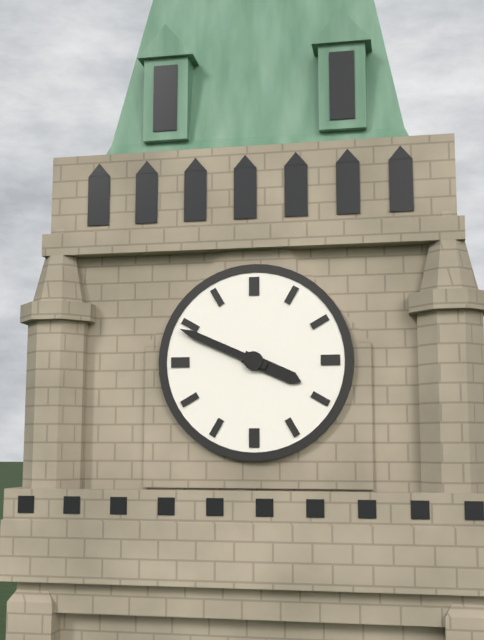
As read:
3.49
